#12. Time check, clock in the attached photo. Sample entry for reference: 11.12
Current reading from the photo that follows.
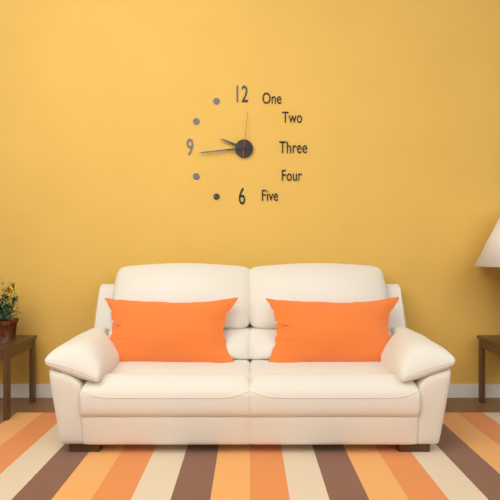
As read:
9.44
